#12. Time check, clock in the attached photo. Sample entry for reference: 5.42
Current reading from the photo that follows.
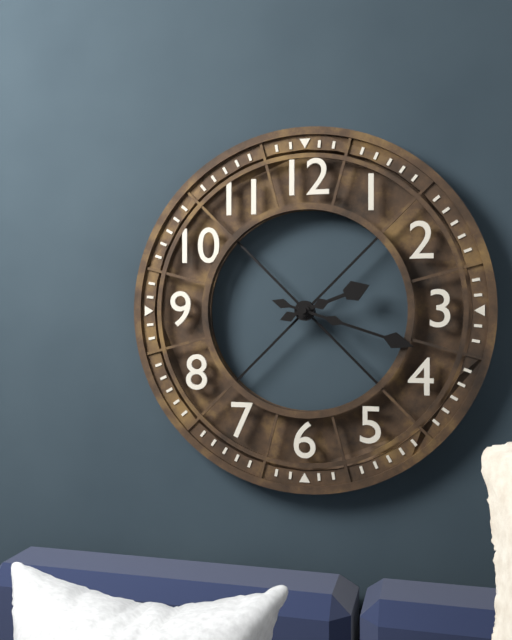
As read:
2.18
